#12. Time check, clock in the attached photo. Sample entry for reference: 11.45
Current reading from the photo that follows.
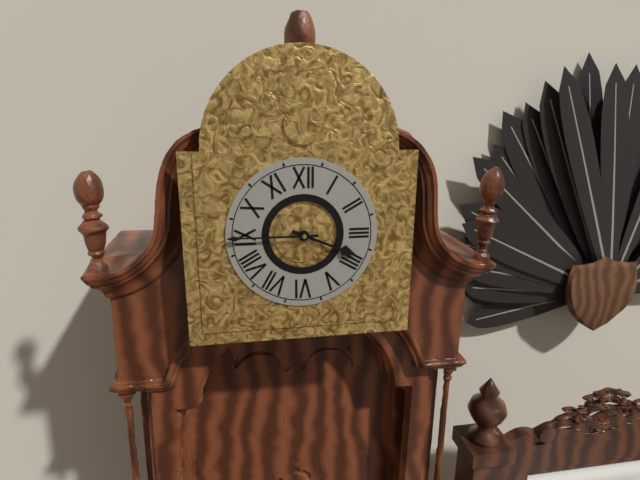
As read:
3.45
